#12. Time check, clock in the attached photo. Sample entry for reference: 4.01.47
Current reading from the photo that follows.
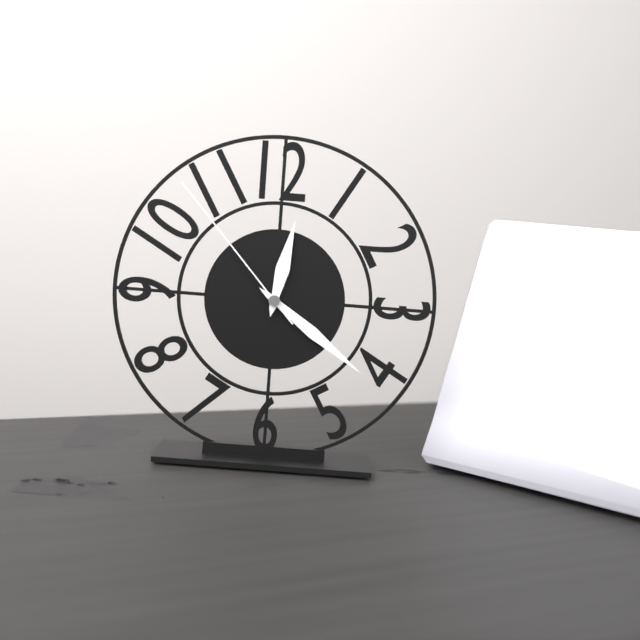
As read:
12.21.53
